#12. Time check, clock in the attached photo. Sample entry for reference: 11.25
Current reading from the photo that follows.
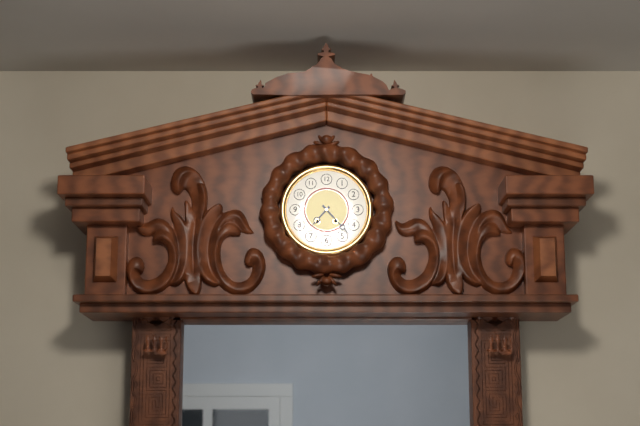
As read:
7.23
